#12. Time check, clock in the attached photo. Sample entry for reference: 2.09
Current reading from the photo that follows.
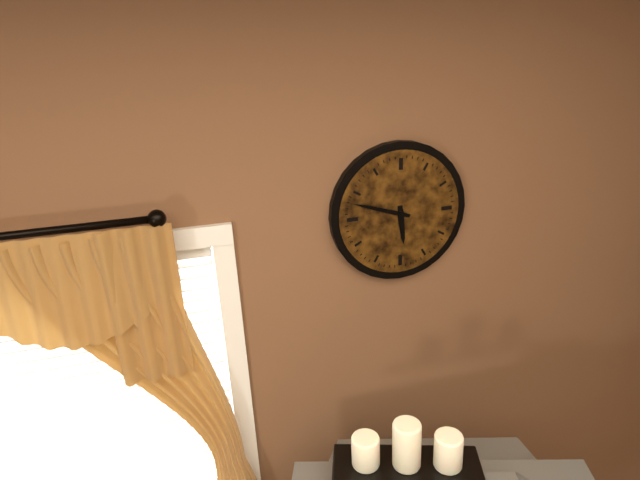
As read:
5.48
